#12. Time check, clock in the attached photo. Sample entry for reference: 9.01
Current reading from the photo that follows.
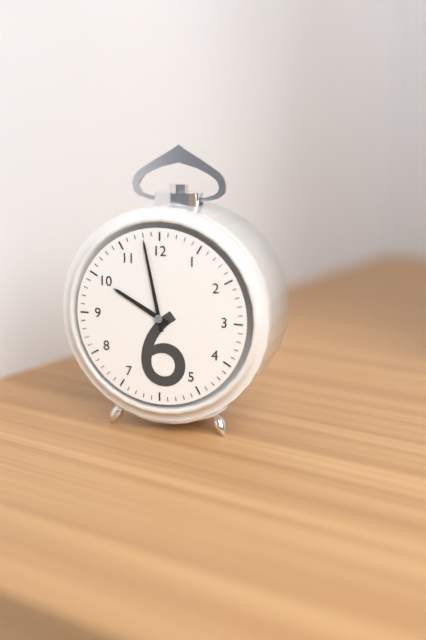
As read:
9.58
